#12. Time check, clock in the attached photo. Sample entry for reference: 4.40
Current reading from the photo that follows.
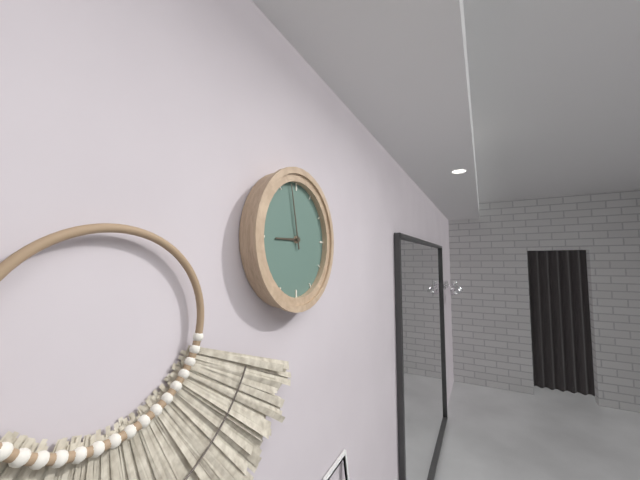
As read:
8.58
